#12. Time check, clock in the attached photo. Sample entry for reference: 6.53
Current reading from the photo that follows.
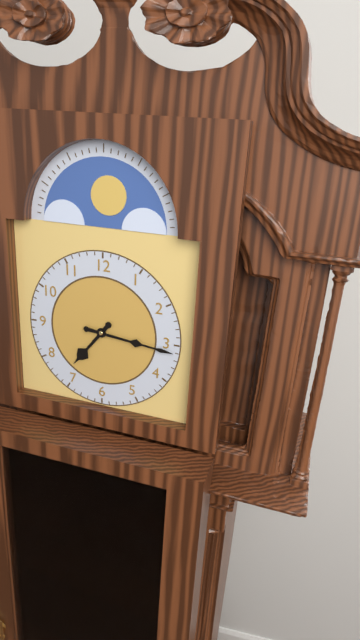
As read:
7.16
